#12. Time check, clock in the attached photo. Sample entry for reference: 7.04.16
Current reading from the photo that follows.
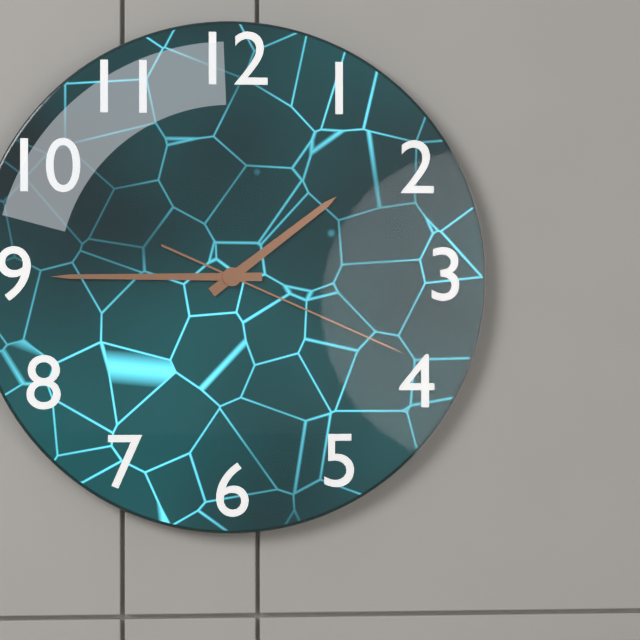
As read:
1.45.19
